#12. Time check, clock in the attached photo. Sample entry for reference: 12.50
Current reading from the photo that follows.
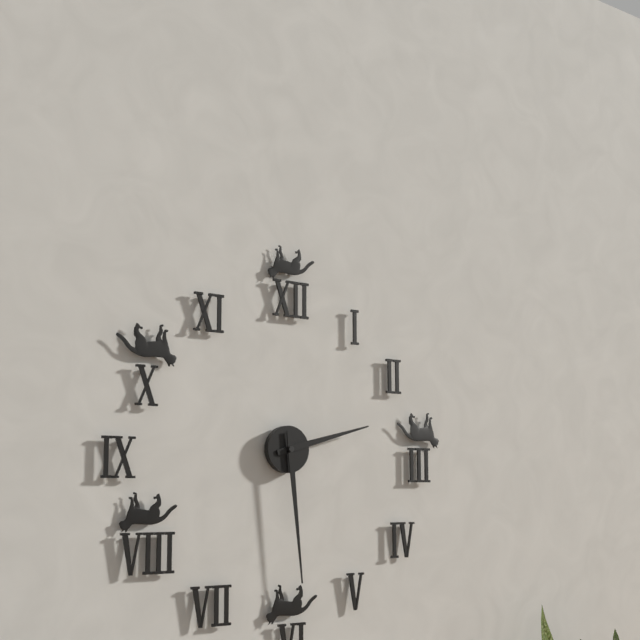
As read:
2.29
